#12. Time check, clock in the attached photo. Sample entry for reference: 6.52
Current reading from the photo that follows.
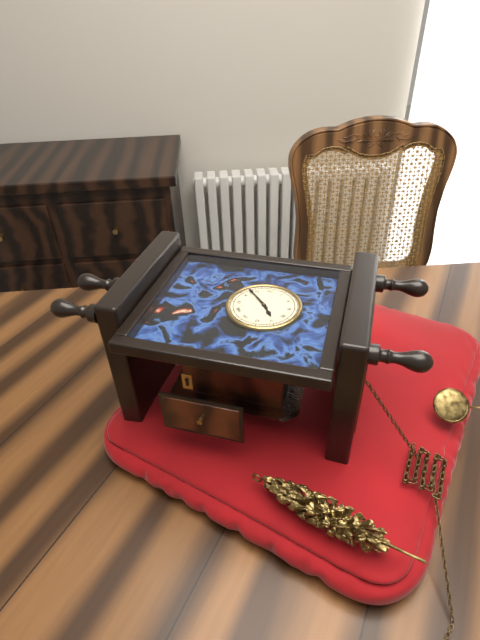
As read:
4.53
